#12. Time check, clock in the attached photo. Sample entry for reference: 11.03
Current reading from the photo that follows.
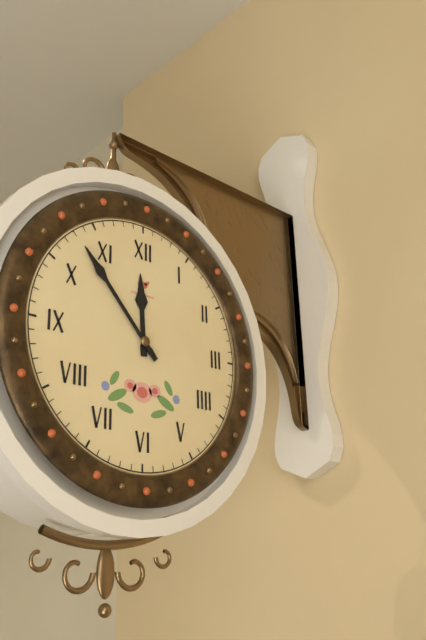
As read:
11.53
